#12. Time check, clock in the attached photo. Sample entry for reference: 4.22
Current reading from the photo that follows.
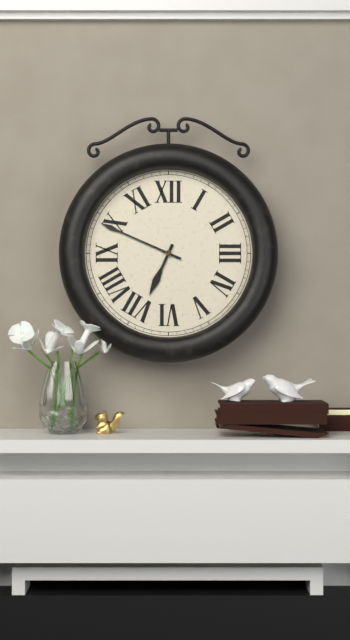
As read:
6.49
